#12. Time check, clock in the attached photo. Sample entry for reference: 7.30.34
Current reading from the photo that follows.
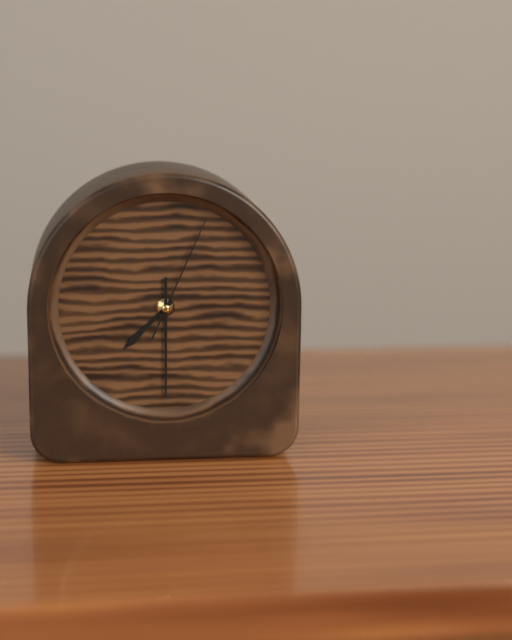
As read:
7.30.04
